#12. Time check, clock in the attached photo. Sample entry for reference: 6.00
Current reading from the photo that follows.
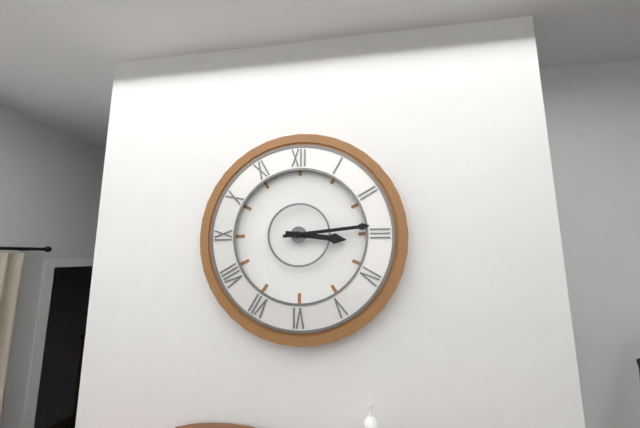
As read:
3.14
